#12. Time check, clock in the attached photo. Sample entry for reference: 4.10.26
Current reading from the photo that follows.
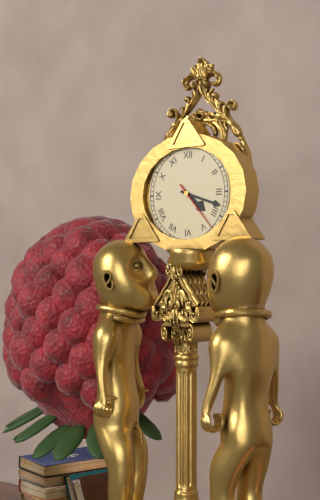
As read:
4.18.23
